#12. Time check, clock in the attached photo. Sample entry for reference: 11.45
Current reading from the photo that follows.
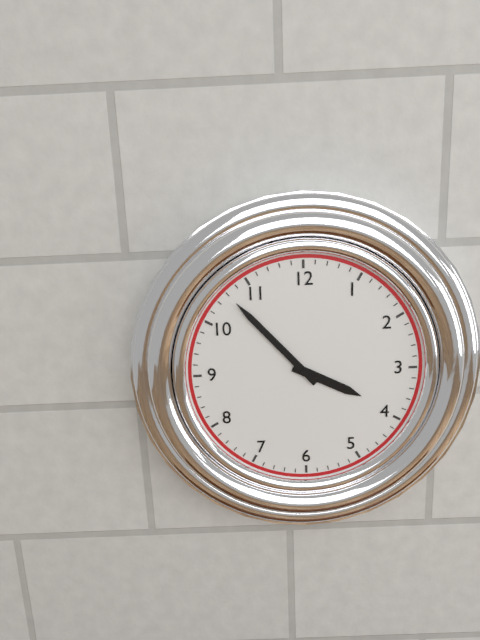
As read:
3.53
